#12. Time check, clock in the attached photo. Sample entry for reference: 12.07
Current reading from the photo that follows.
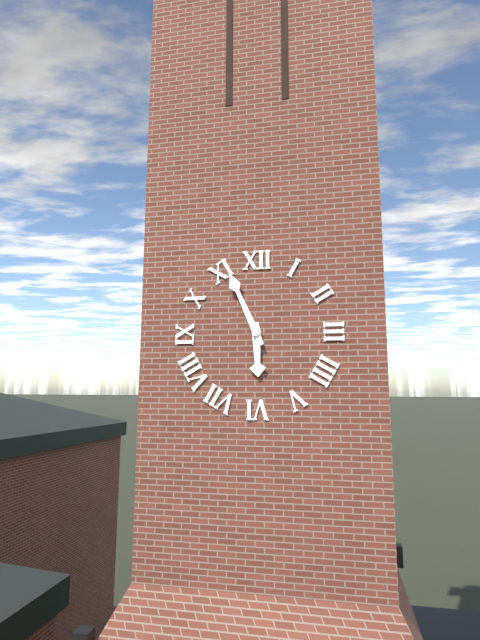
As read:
5.56
